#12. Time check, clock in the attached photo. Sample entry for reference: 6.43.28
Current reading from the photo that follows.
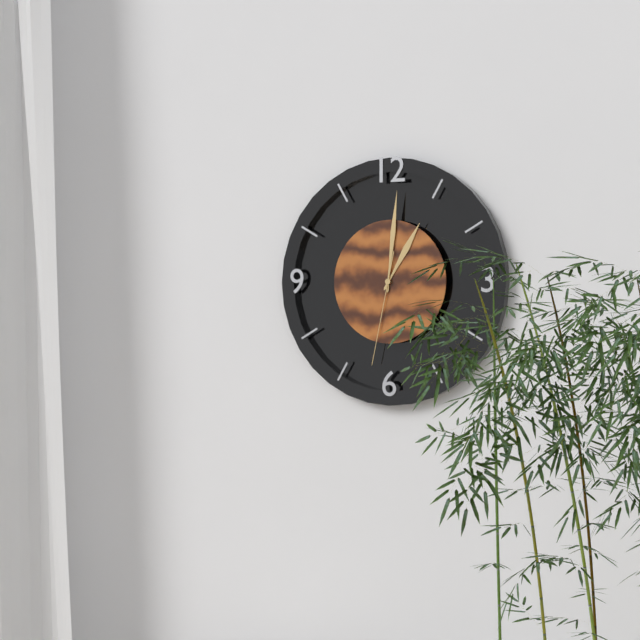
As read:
1.01.32
